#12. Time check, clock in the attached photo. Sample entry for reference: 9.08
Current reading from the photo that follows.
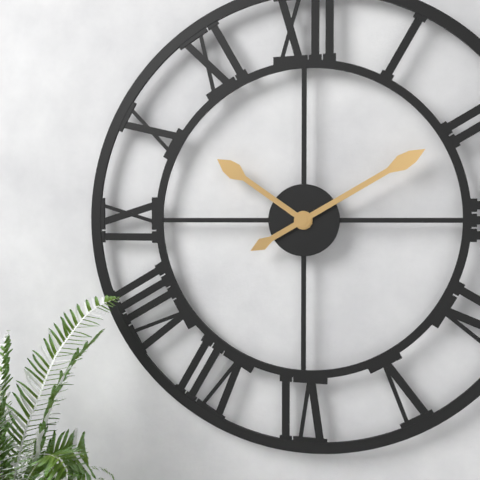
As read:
10.10
